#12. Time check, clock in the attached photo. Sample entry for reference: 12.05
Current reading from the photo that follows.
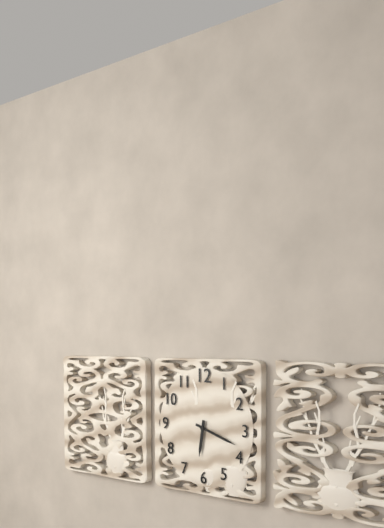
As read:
6.18
